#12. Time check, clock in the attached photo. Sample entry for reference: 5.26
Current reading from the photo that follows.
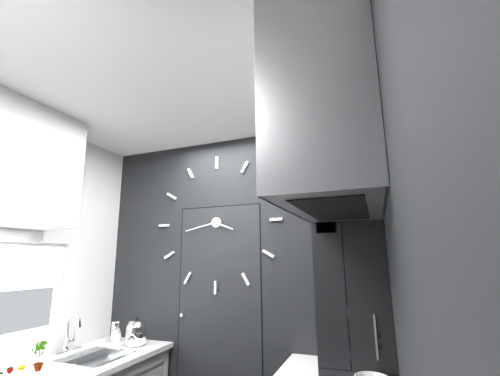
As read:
3.43
